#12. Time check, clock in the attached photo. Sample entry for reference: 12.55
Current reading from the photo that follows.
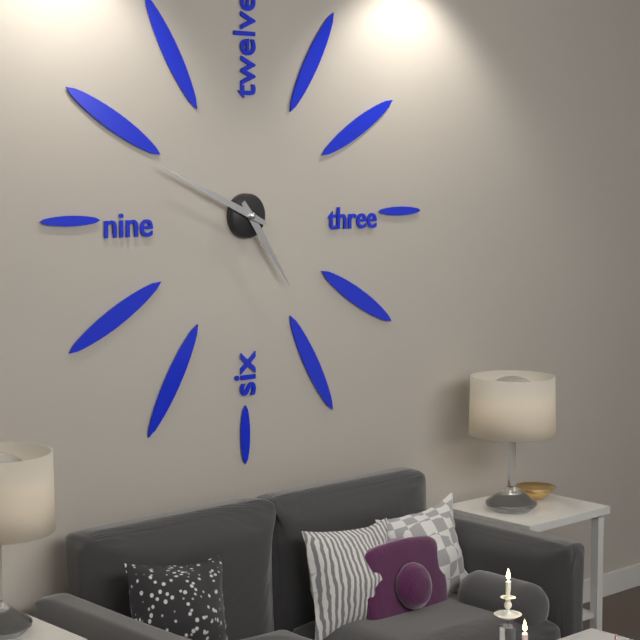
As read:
4.49
